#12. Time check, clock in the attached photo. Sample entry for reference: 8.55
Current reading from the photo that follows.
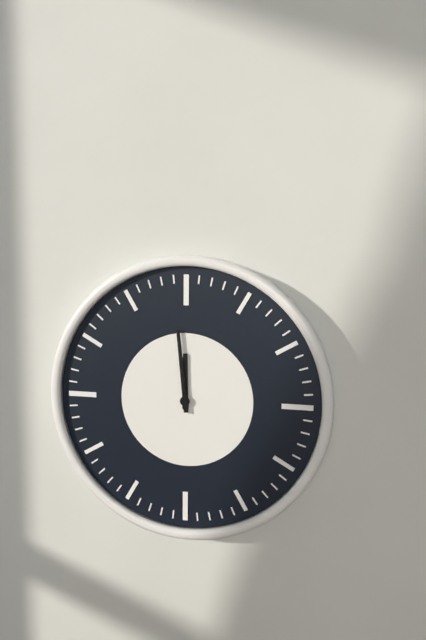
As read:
11.59
